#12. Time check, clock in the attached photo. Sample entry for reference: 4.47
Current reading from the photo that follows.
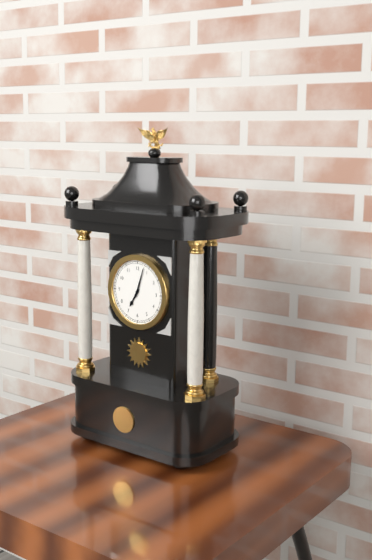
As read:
7.03
